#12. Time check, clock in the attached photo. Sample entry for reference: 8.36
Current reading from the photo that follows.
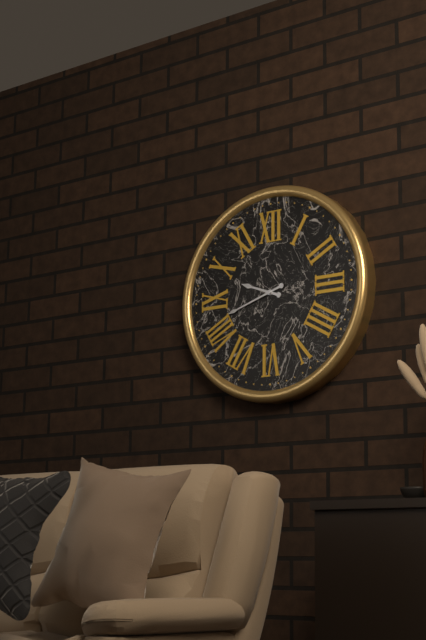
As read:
9.42
